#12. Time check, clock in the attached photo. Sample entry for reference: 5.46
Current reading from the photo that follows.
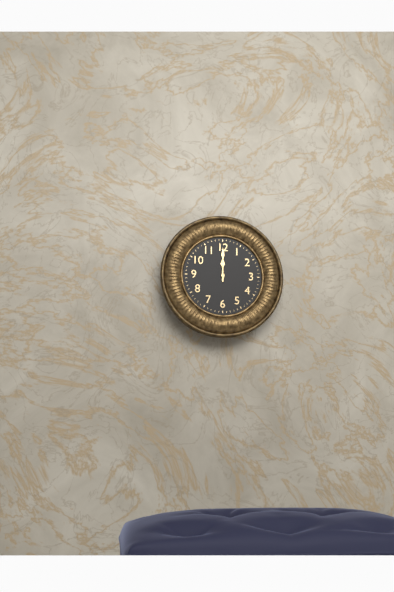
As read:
12.00
